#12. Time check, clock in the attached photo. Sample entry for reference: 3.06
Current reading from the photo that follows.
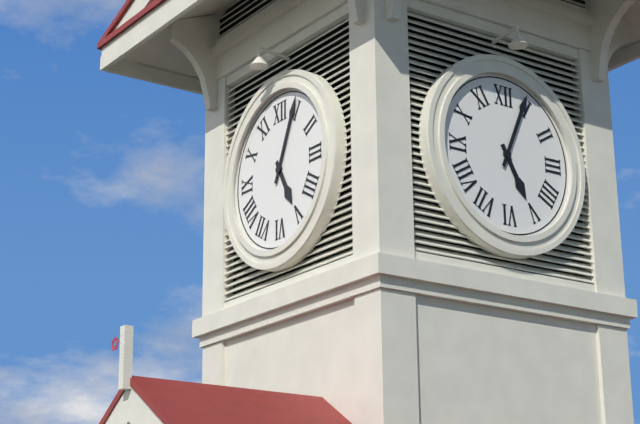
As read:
5.04
